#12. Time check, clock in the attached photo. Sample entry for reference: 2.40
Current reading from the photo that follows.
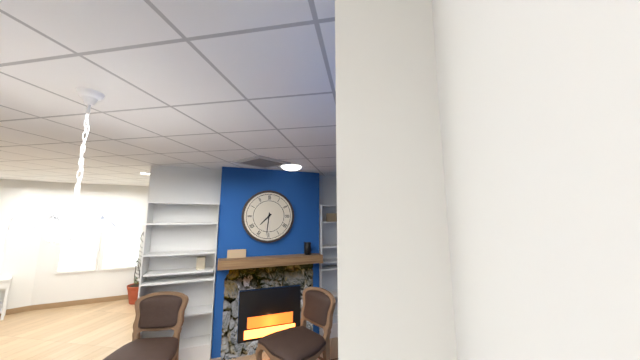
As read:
7.31
